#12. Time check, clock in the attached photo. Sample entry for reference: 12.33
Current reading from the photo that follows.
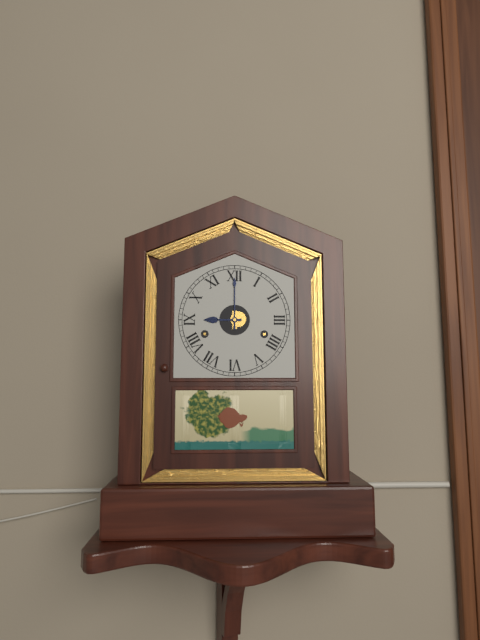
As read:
9.00
